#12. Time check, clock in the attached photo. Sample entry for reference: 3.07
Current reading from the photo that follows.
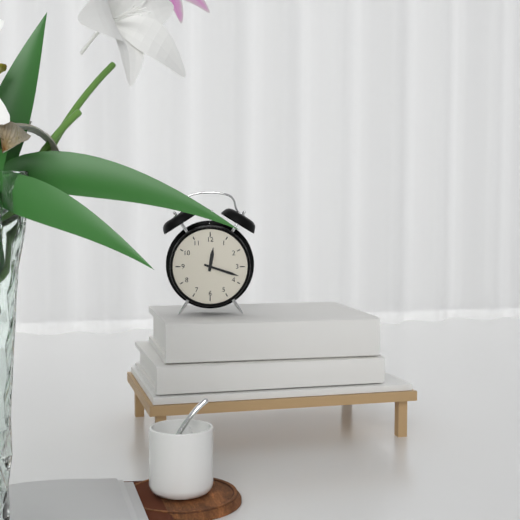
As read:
12.18
